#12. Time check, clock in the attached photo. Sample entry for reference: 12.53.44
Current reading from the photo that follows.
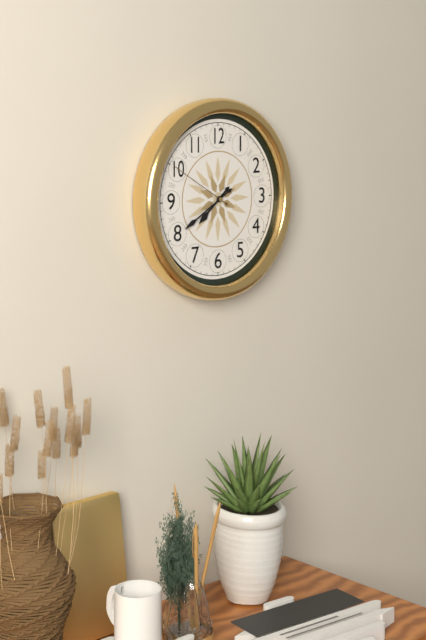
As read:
7.40.50
